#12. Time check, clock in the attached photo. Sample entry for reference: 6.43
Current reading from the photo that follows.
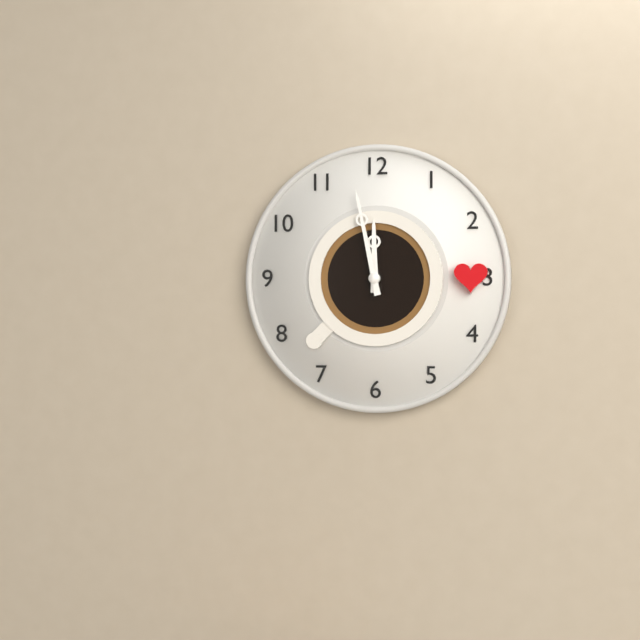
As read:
11.58
